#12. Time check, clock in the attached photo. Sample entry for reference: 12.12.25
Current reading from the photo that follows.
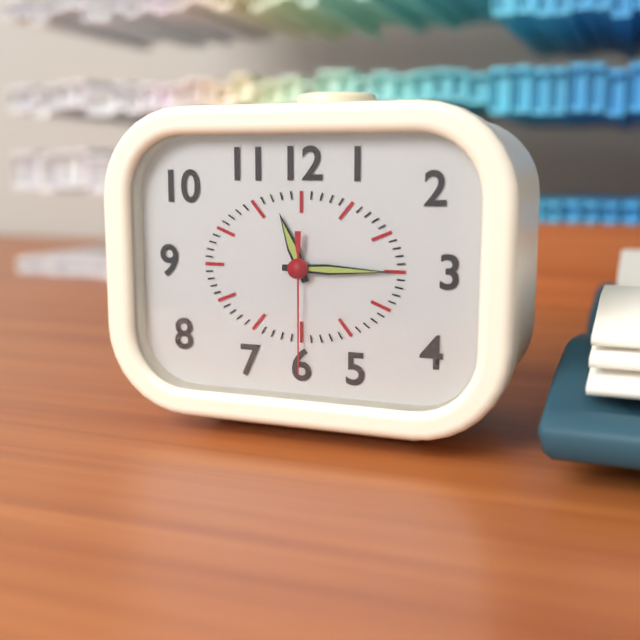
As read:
11.15.30
